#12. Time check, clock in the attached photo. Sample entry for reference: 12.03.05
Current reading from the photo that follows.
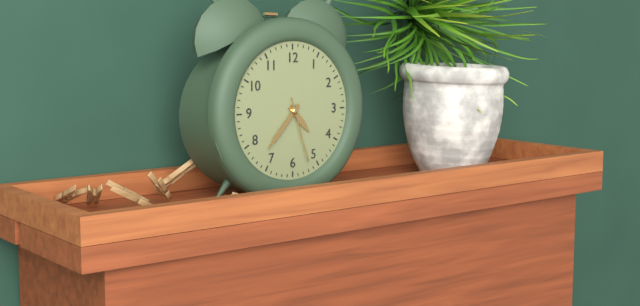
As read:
4.37.27
